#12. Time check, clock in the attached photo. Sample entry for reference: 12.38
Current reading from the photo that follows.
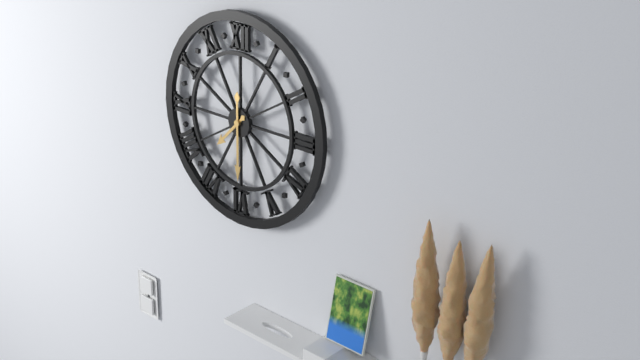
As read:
7.30
